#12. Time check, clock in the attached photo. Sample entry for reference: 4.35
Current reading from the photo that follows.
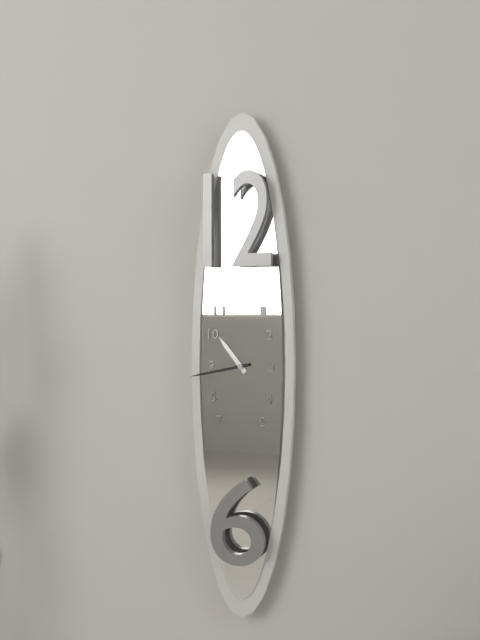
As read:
10.43
